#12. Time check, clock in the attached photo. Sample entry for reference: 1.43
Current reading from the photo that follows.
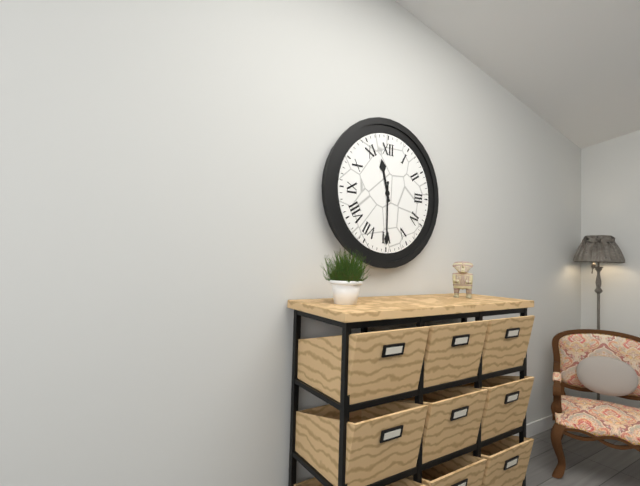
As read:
11.30
